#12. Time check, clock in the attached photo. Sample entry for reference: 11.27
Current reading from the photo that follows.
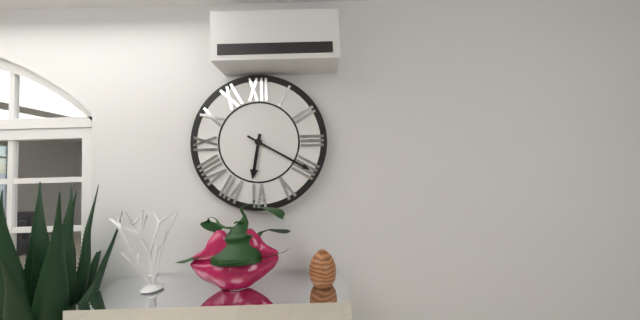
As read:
6.20
